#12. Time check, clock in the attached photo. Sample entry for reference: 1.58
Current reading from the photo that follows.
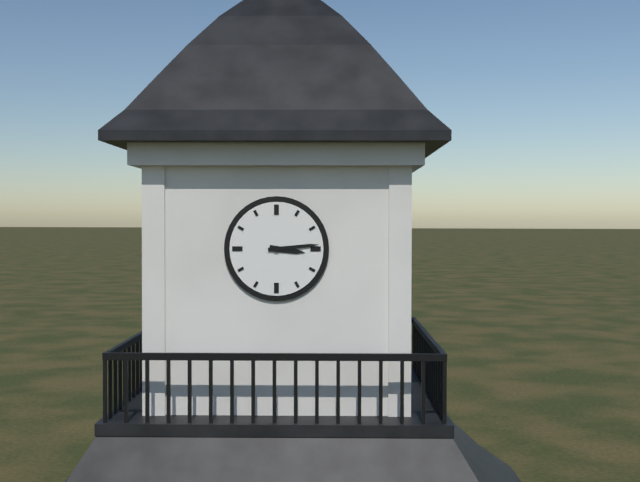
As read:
3.14
